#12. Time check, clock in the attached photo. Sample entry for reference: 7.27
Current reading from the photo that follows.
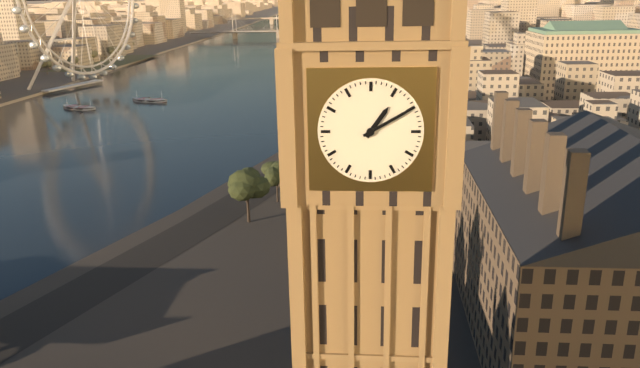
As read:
1.10
